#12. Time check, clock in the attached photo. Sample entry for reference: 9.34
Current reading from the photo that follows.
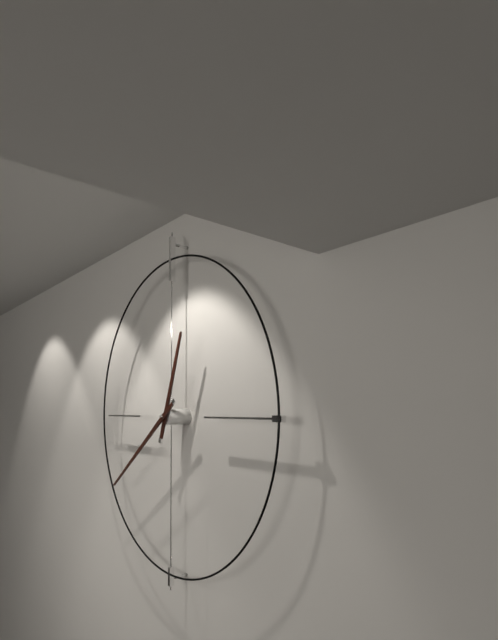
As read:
12.39
